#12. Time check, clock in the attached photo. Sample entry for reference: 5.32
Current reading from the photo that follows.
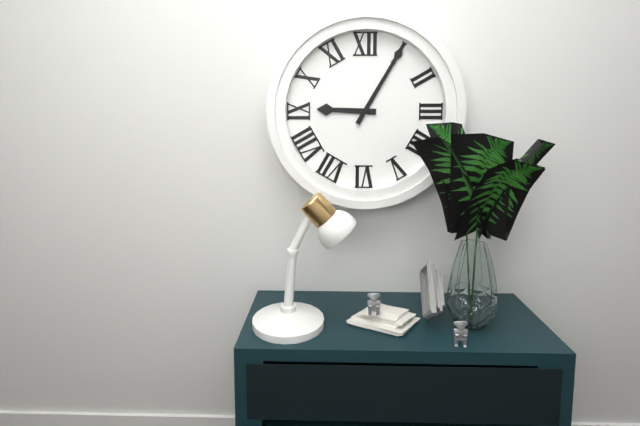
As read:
9.05
